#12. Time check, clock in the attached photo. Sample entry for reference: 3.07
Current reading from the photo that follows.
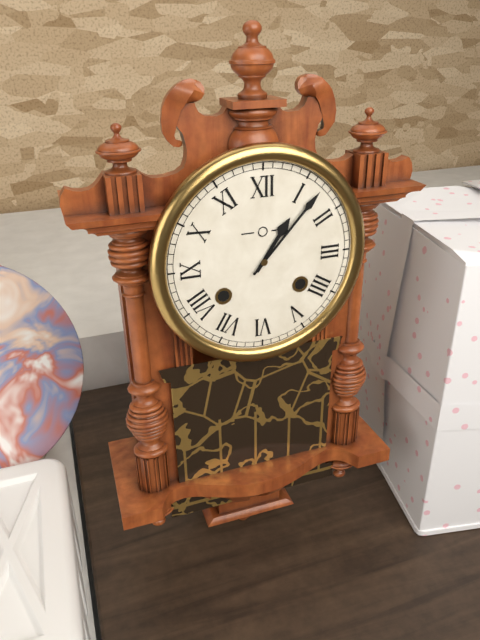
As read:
1.07
